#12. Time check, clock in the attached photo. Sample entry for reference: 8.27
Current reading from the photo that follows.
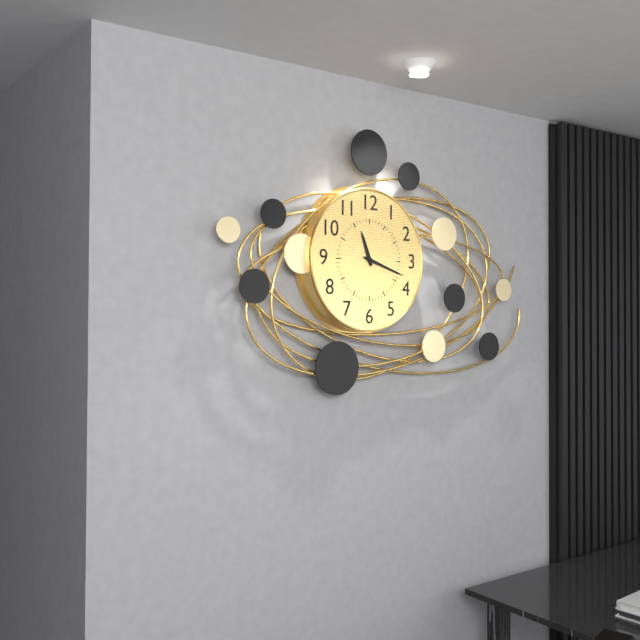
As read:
11.18
